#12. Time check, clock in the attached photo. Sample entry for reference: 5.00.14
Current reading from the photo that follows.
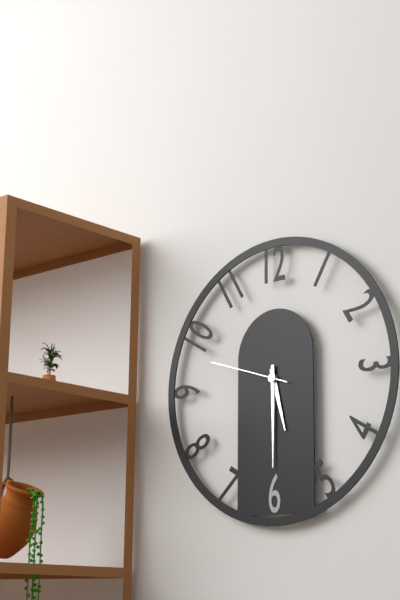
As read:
5.30.48
